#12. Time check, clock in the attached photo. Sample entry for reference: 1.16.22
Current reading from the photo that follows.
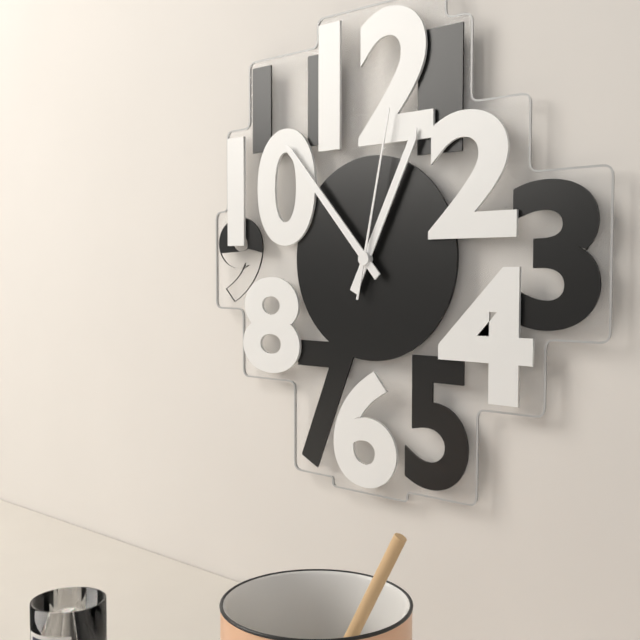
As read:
12.53.02
